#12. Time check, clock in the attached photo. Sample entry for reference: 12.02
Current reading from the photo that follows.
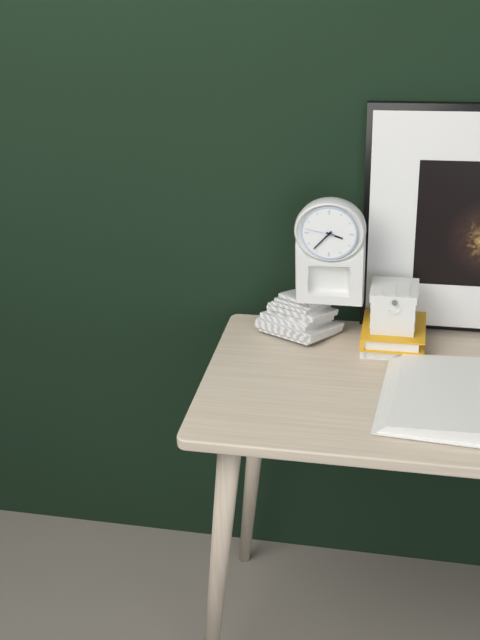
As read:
3.37
